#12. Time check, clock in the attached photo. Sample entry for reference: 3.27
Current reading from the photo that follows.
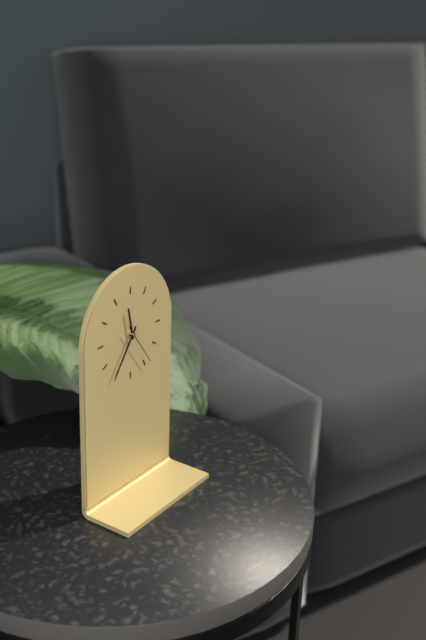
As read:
11.36
